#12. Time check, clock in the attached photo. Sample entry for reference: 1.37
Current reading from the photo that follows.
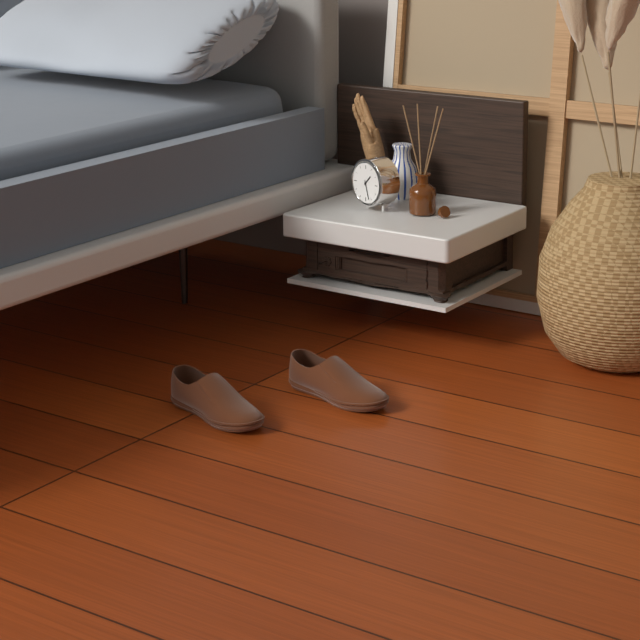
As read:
1.27
